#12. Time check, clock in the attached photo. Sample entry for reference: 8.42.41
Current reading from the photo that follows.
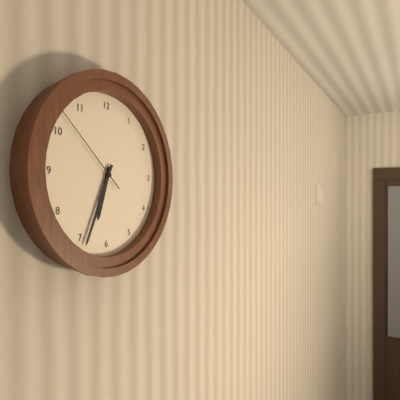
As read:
6.34.52
